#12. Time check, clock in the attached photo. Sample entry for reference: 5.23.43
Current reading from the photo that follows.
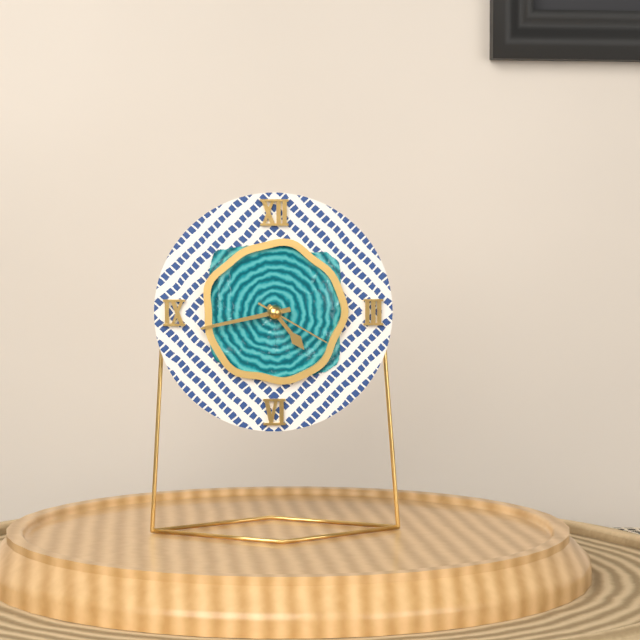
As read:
4.43.20
